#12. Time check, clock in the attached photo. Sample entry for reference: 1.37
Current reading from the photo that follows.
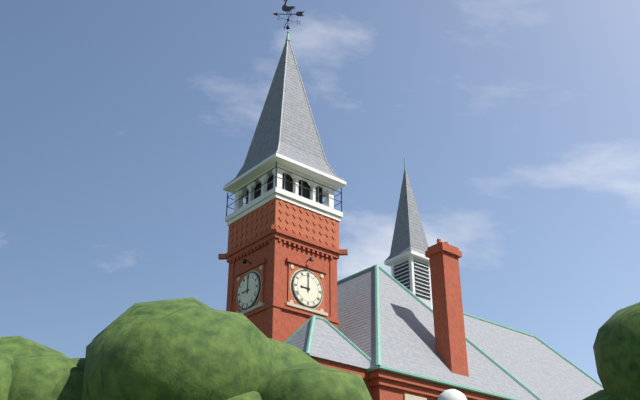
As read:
9.00
